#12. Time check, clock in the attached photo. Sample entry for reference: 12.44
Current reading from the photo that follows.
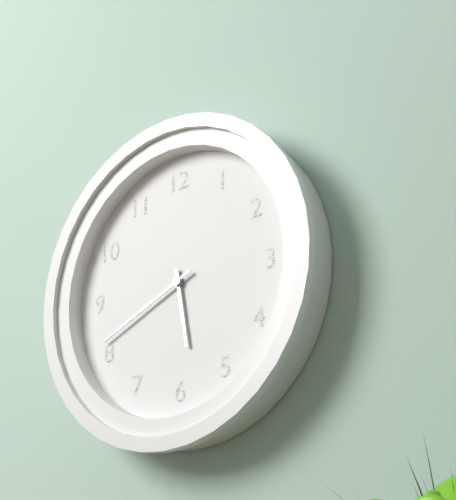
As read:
5.41
